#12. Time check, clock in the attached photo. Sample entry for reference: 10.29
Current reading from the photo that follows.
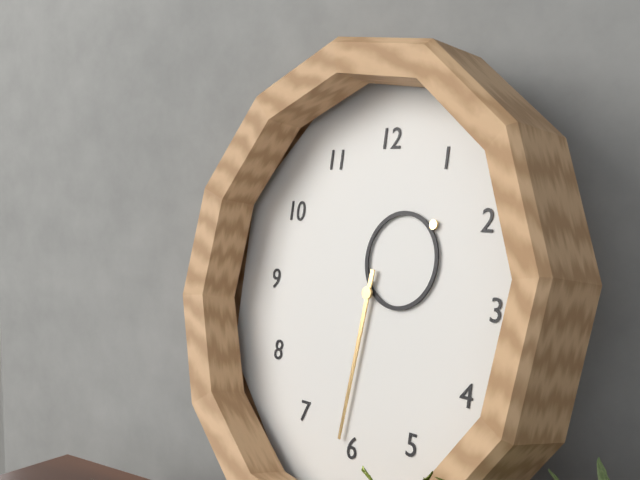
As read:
1.31
